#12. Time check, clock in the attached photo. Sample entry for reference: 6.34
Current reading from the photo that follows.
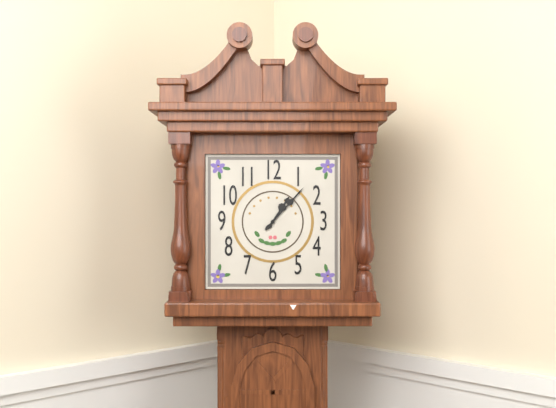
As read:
1.07
